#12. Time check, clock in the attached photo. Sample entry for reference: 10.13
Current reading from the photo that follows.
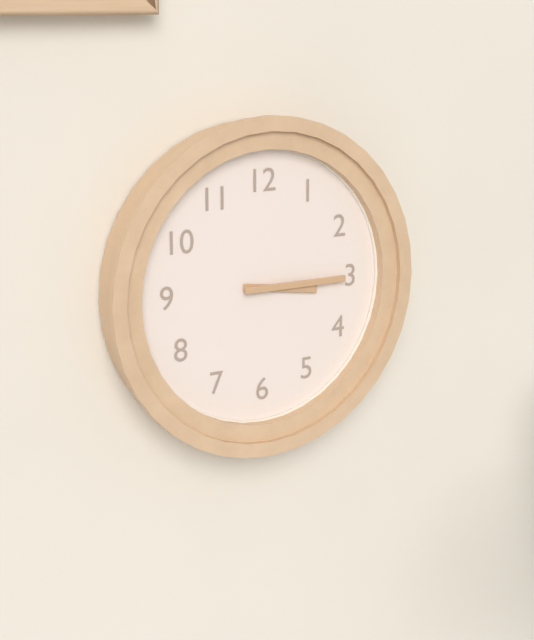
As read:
3.15
